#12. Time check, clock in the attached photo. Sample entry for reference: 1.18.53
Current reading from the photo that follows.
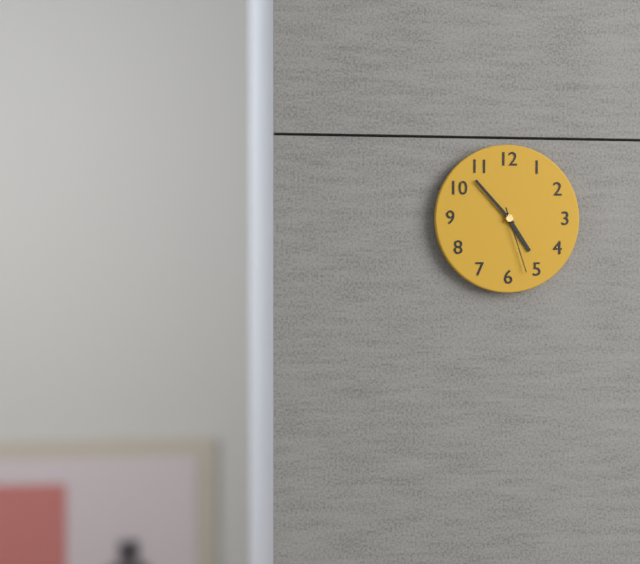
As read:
4.53.27
